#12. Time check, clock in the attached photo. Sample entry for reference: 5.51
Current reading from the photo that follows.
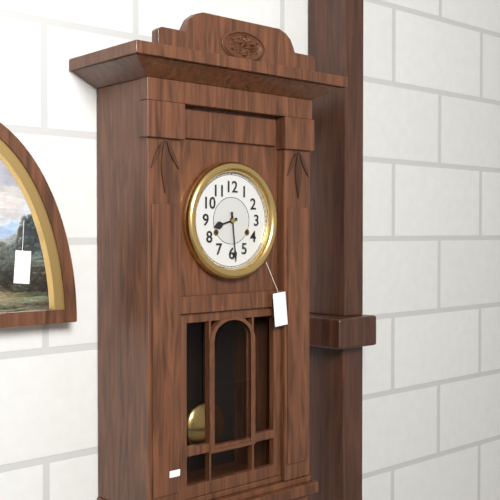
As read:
8.29
